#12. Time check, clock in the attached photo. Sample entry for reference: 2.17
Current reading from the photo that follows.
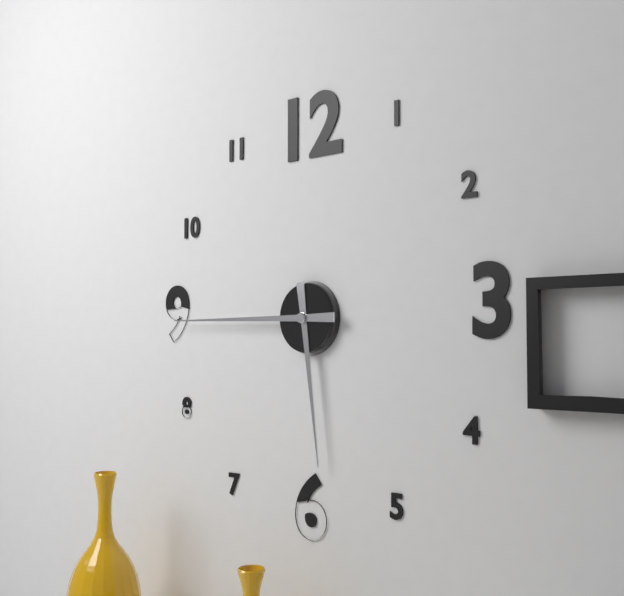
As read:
5.45
